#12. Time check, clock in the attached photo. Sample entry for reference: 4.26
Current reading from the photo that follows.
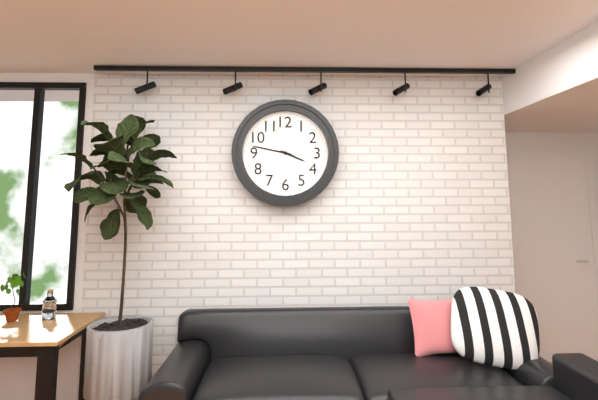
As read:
3.47
